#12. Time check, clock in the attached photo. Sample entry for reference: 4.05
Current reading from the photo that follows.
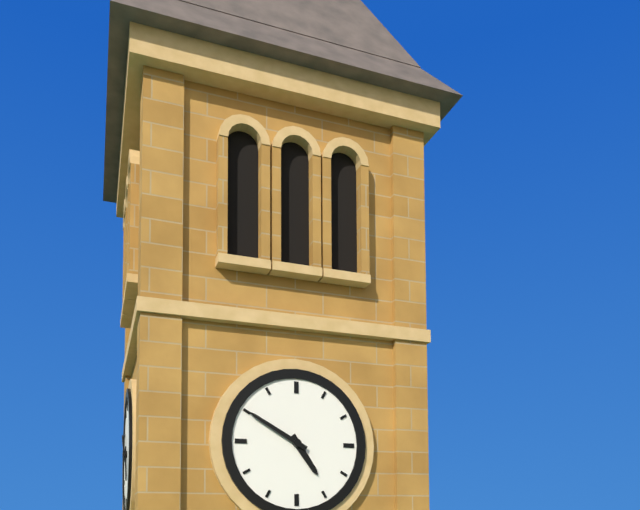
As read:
4.50
